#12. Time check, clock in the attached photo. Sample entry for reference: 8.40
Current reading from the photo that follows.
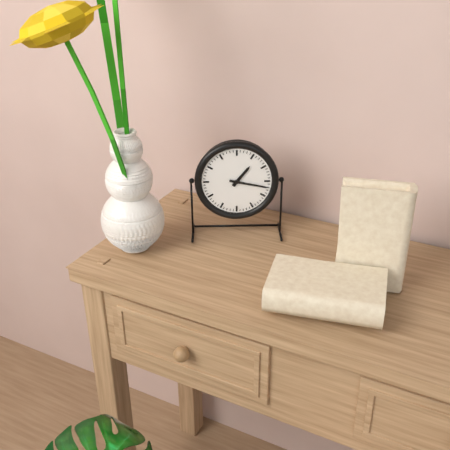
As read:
1.17
